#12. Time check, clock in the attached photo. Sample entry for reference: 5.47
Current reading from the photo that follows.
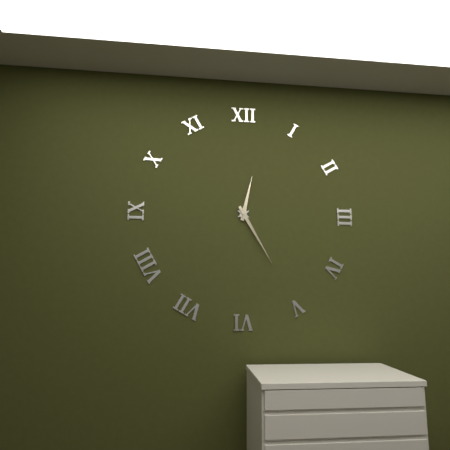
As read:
12.25
